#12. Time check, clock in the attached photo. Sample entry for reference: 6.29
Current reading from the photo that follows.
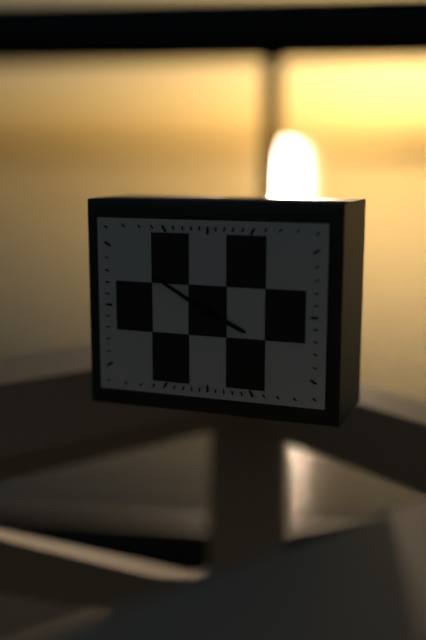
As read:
3.50
